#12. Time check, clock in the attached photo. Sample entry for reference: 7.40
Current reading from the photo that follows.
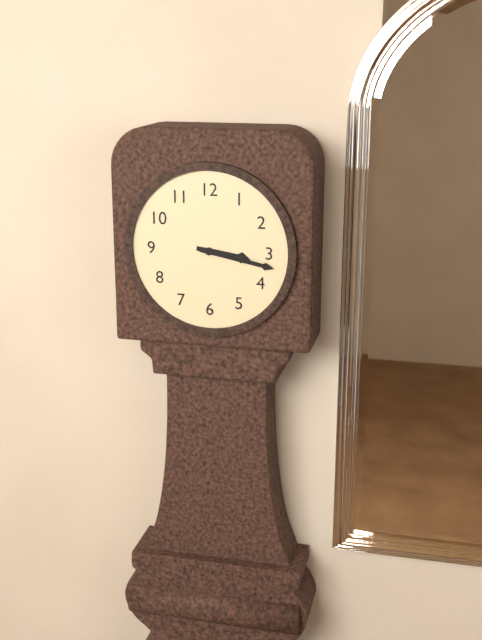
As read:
3.17
